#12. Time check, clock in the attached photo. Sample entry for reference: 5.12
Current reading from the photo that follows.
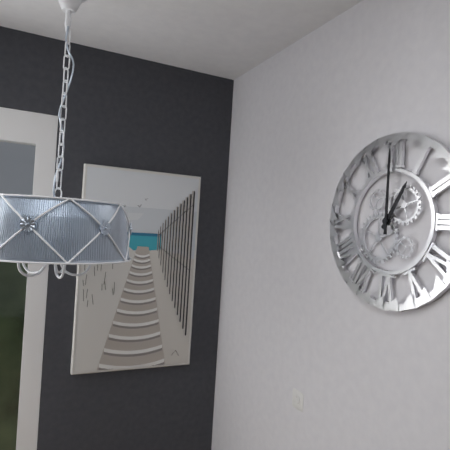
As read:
1.00
